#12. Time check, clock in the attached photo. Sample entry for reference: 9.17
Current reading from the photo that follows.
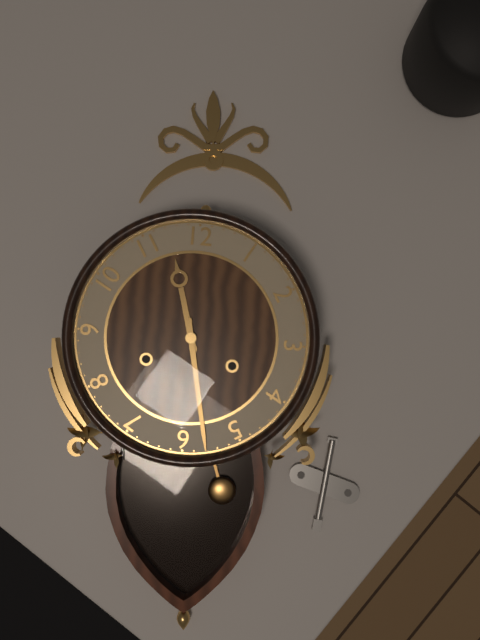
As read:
11.28
